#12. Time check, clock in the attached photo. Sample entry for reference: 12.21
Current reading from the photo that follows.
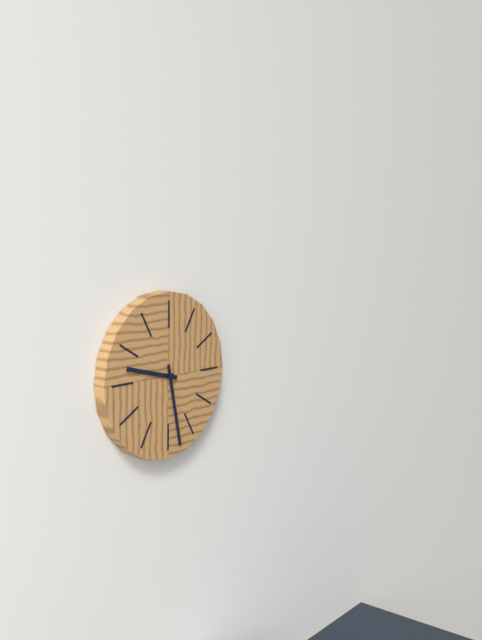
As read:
9.28
